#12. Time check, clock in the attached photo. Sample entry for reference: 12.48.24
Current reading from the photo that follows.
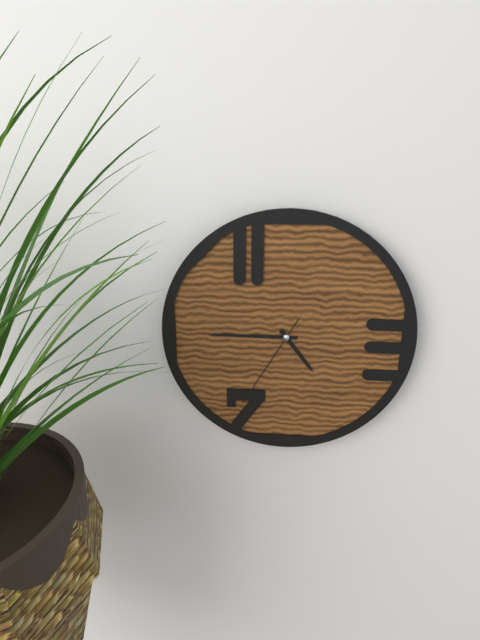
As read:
4.45.35
